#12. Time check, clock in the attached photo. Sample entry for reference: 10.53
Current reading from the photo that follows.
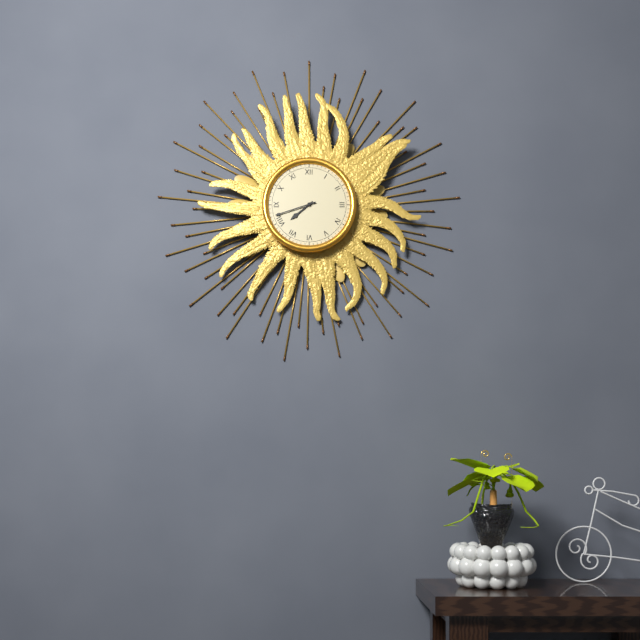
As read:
7.42
